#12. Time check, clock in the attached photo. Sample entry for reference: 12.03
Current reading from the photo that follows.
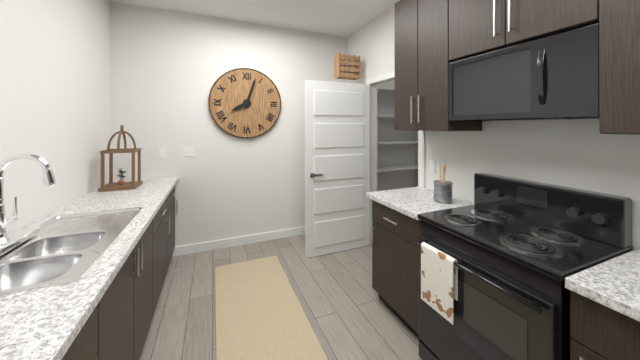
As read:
8.03
